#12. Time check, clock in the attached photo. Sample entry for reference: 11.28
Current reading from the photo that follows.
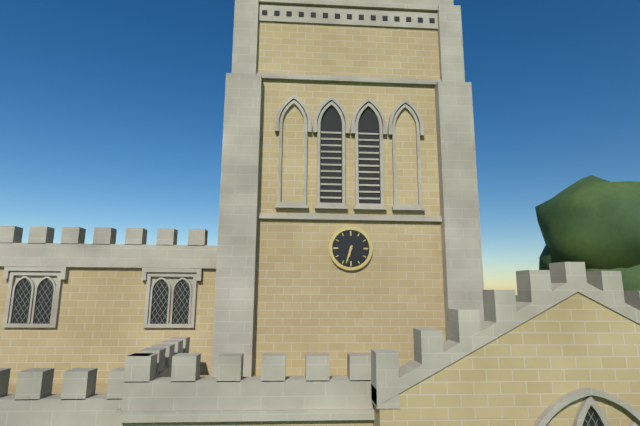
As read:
6.33
